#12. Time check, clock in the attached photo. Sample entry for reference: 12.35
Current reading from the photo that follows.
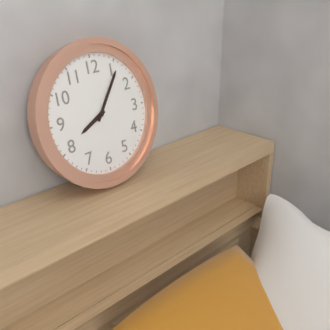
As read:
8.06
